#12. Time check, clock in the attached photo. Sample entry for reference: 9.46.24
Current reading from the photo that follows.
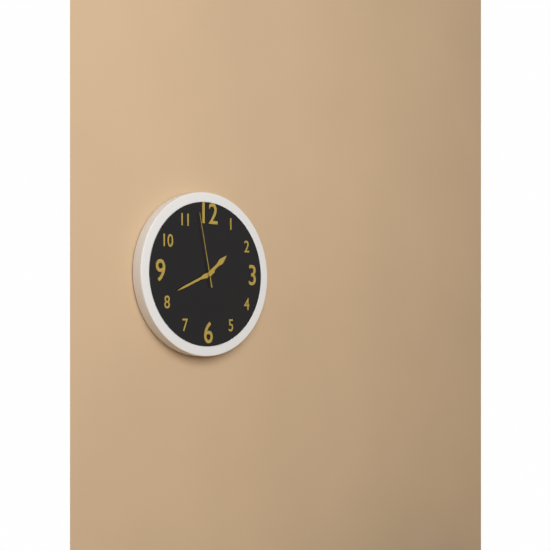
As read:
1.41.58
